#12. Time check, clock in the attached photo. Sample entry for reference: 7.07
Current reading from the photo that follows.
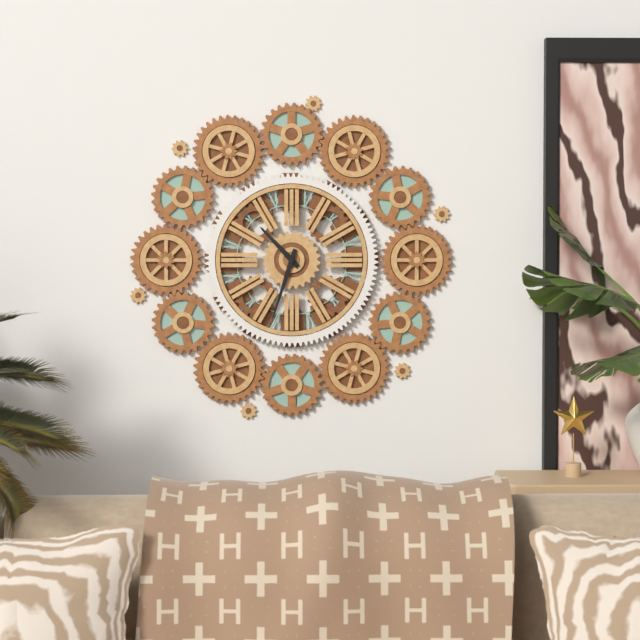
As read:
10.33
